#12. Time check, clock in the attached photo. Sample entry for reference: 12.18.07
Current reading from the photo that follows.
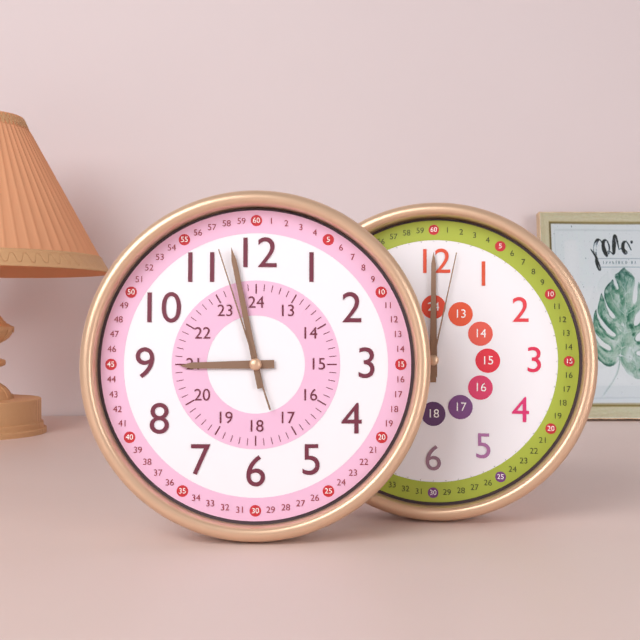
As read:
8.58.57
